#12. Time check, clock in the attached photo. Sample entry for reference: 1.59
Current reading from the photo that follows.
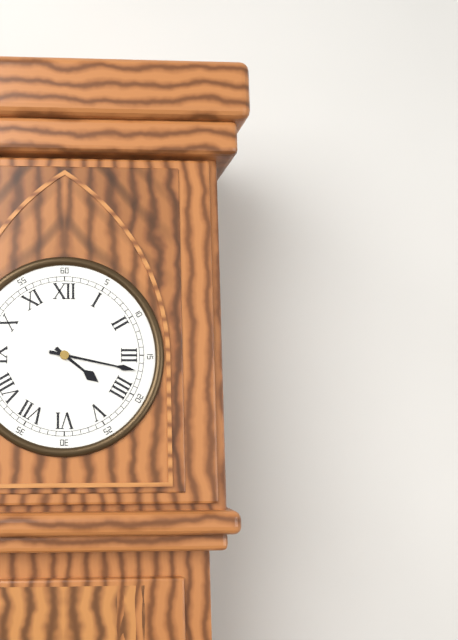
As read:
4.17
